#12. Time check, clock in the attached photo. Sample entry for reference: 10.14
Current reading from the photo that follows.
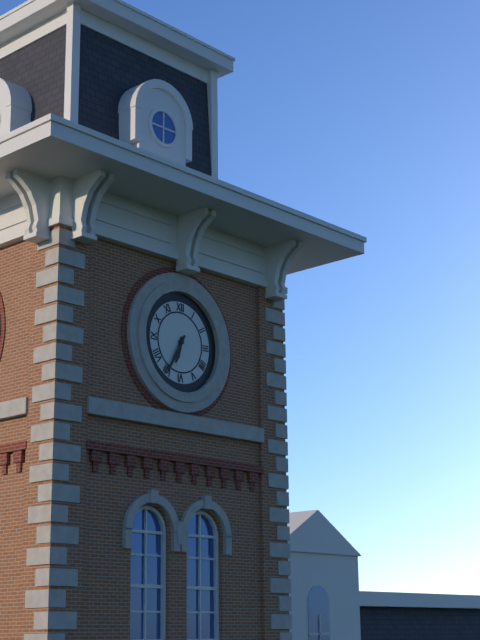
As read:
6.35
